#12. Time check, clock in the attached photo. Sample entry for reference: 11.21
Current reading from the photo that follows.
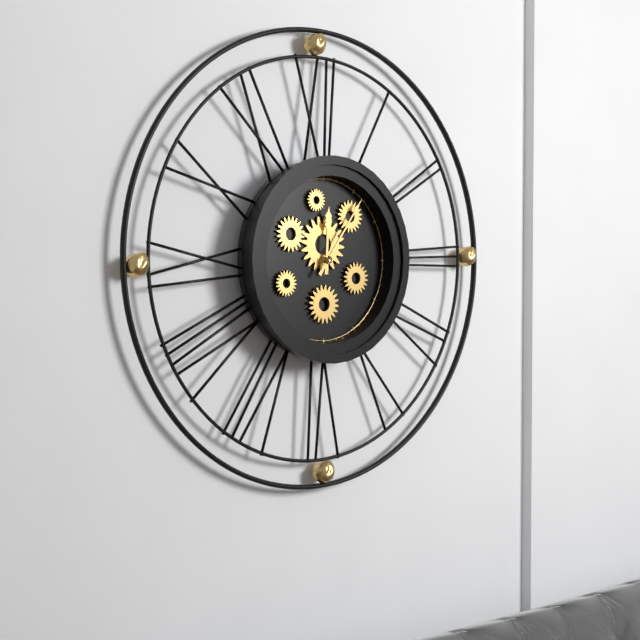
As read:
12.06
